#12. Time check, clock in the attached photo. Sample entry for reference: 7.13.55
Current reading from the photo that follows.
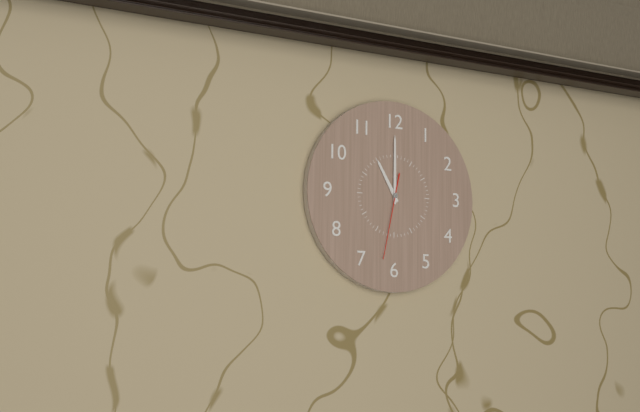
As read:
11.00.32
